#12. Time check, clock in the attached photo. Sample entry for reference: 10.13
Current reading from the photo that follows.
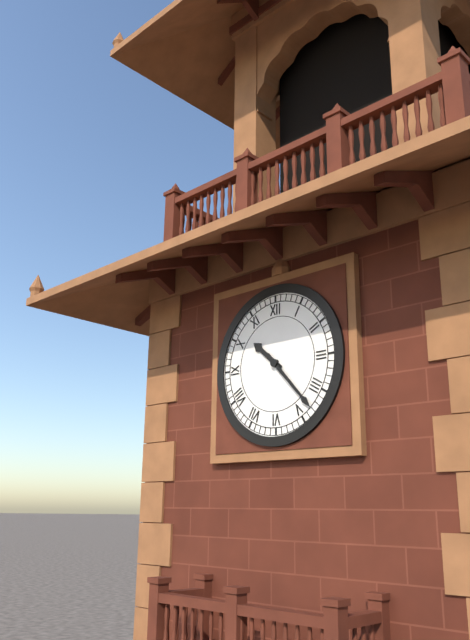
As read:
10.23
